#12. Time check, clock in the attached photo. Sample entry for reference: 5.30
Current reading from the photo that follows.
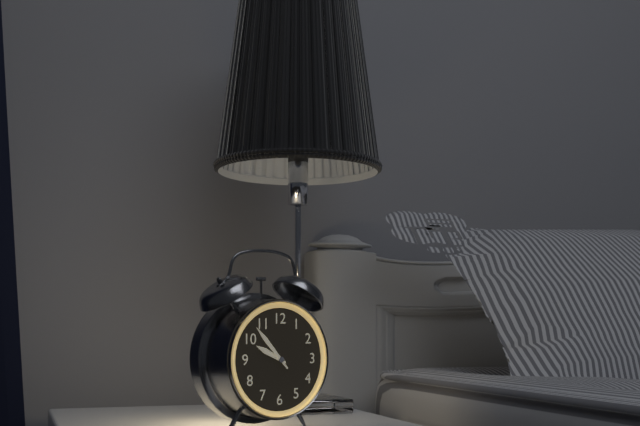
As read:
9.53
